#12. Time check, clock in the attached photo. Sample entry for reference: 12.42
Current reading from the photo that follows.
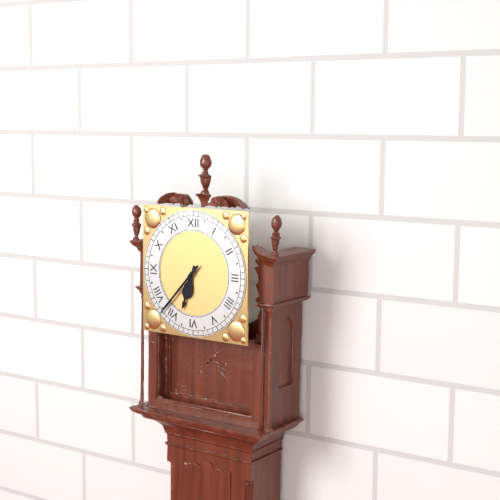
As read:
6.37
